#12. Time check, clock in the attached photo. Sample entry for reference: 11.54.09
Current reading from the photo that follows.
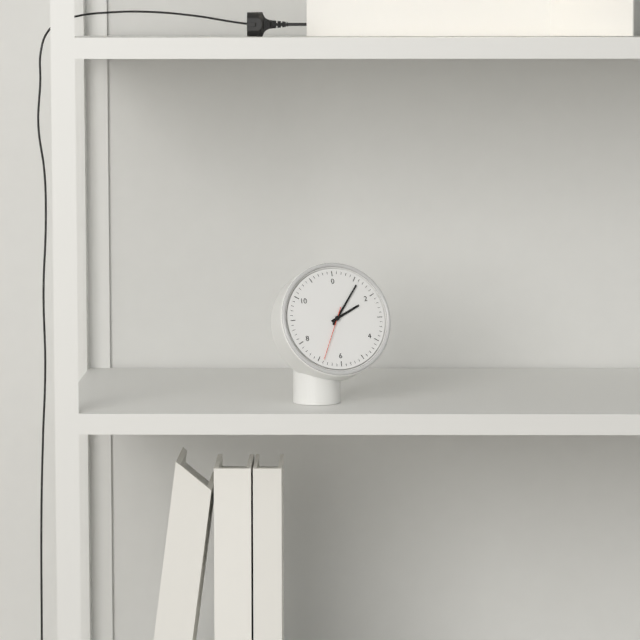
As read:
2.06.34
